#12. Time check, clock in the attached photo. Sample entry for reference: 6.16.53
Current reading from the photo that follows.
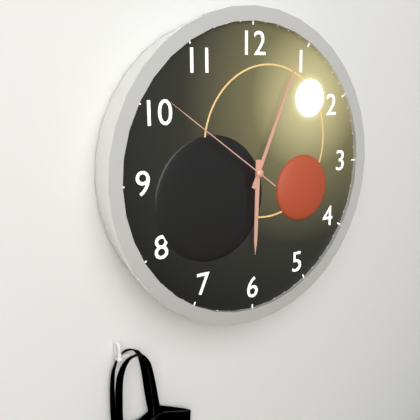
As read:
6.04.51
